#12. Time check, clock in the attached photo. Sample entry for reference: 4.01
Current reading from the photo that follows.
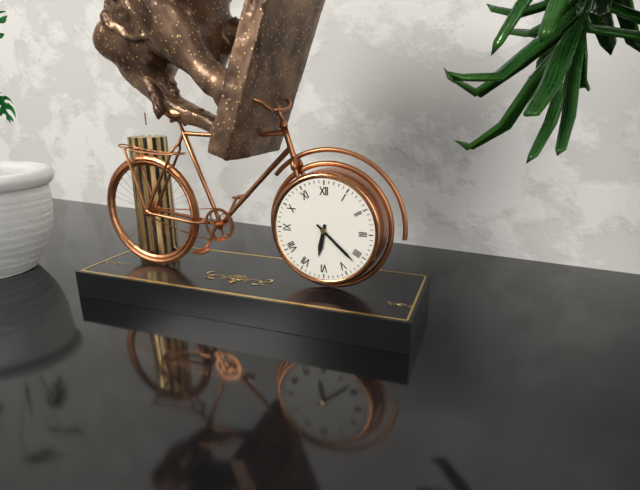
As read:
6.22
